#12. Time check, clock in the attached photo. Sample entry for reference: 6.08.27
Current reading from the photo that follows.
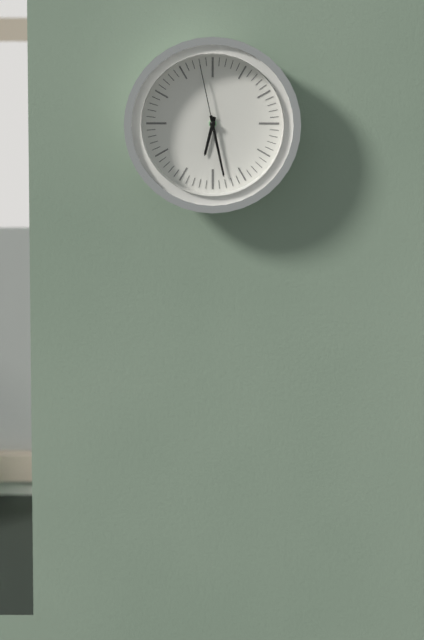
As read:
6.28.58
